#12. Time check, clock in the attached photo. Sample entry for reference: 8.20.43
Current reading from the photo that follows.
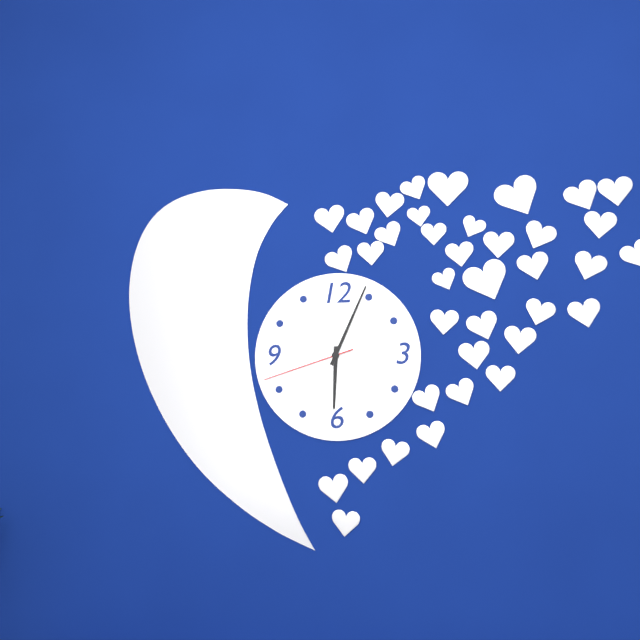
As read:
6.04.42
